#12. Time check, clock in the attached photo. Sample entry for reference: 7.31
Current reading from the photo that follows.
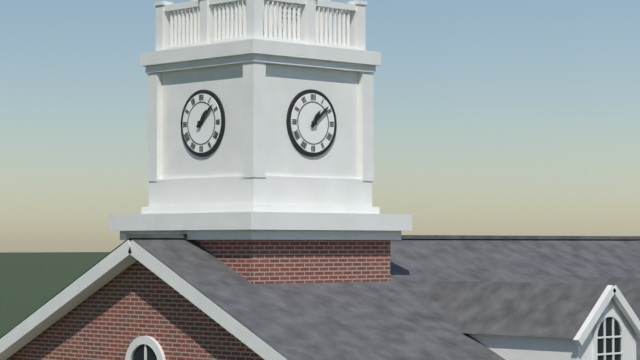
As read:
1.08
